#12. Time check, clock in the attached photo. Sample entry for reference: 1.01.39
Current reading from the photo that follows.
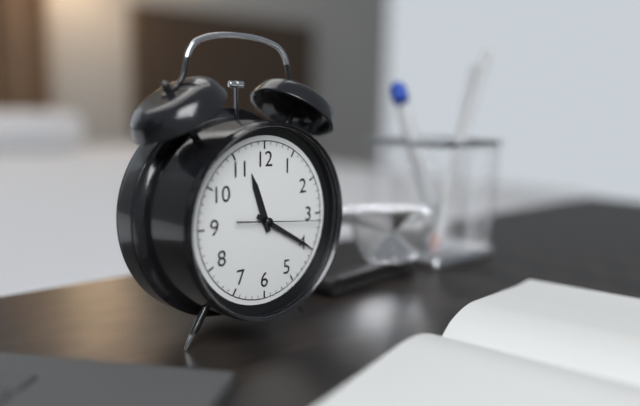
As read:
11.20.16
